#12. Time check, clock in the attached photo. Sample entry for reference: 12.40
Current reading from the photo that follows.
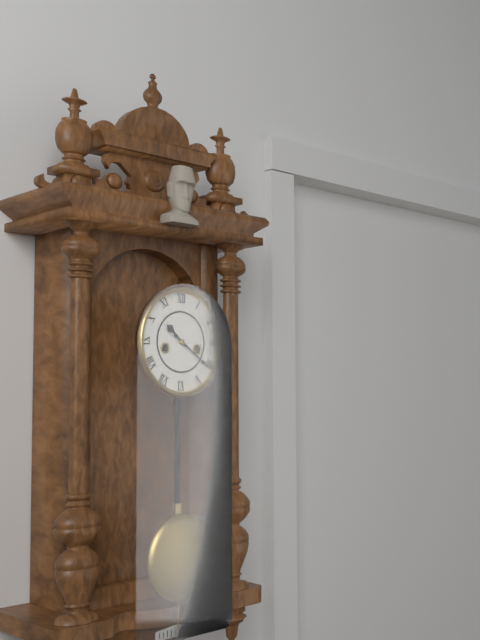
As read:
10.21
